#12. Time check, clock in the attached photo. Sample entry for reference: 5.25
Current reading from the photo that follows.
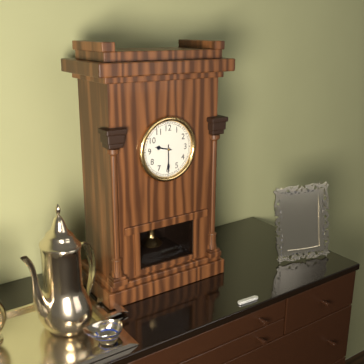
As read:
9.30
